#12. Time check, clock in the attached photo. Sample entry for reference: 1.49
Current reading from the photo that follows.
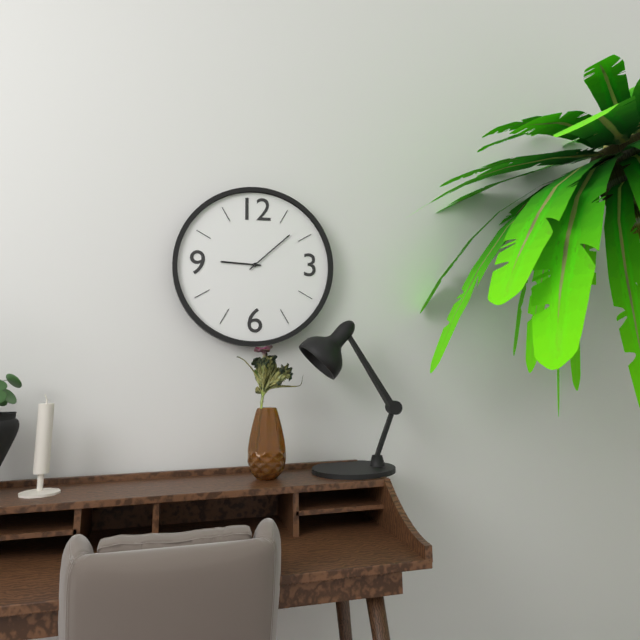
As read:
9.08
